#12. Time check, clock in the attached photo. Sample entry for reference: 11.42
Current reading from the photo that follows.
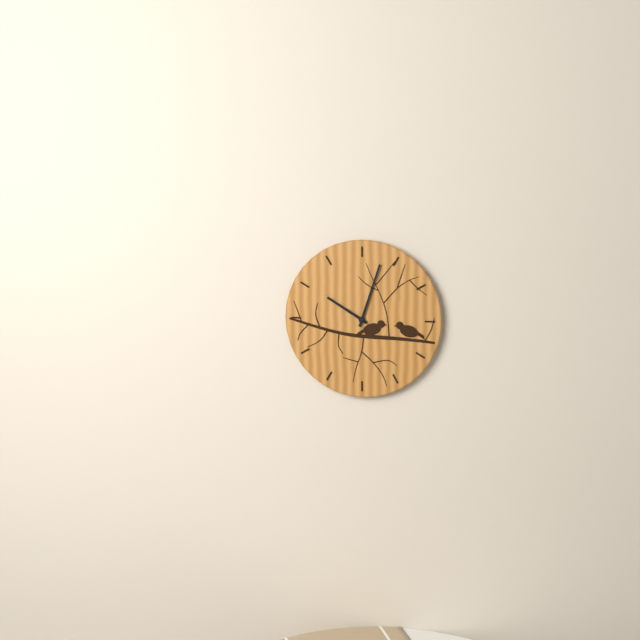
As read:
10.03
